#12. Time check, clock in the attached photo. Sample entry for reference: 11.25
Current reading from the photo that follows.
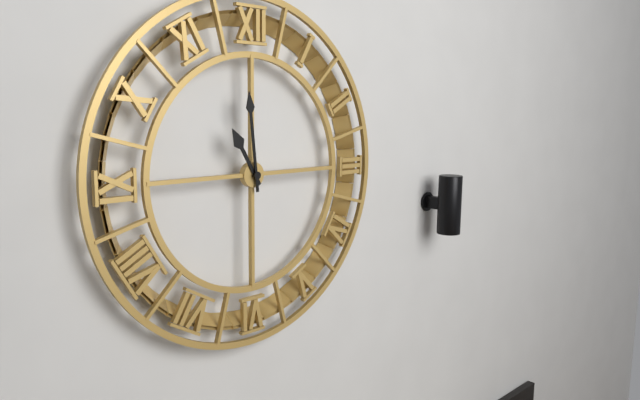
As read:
10.59
